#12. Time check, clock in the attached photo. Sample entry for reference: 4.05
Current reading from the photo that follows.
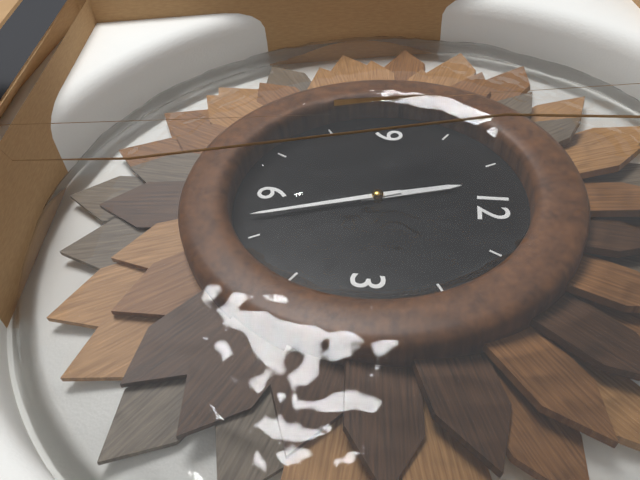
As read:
11.27
